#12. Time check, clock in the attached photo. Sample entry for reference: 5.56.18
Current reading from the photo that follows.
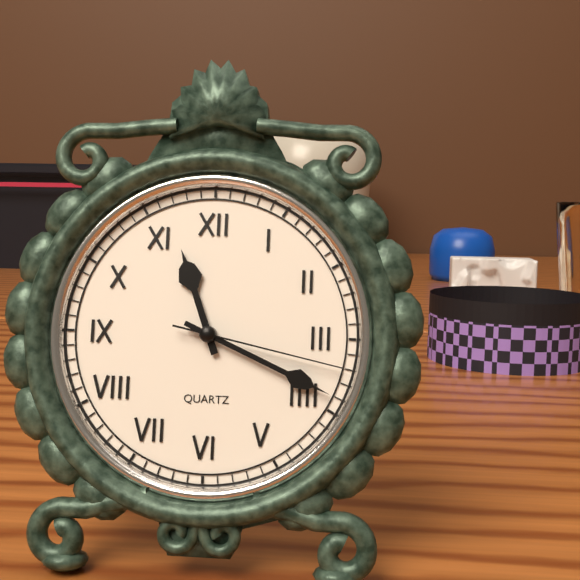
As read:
11.19.17
